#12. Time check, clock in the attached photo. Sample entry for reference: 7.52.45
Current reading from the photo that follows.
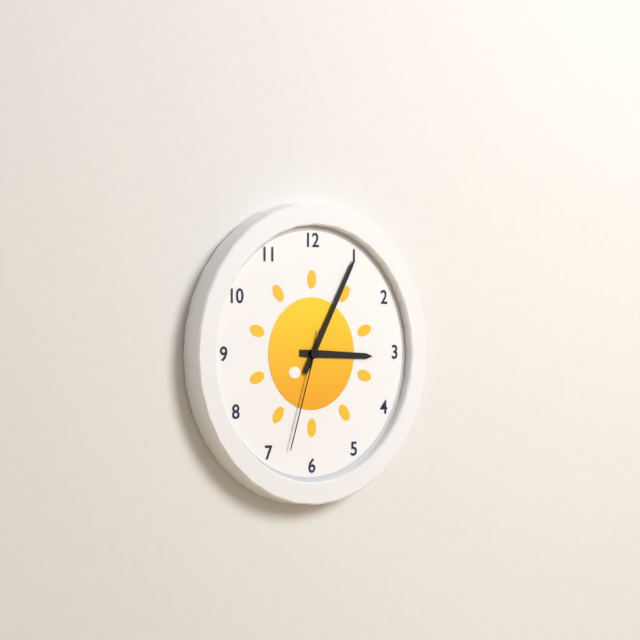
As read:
3.05.33
